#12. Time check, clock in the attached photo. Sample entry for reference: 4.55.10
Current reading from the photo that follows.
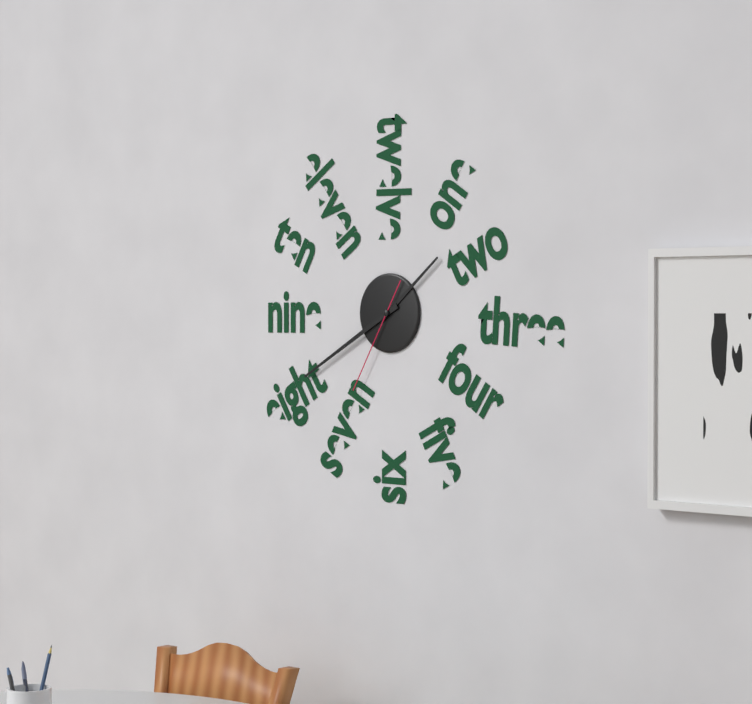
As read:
1.40.35
